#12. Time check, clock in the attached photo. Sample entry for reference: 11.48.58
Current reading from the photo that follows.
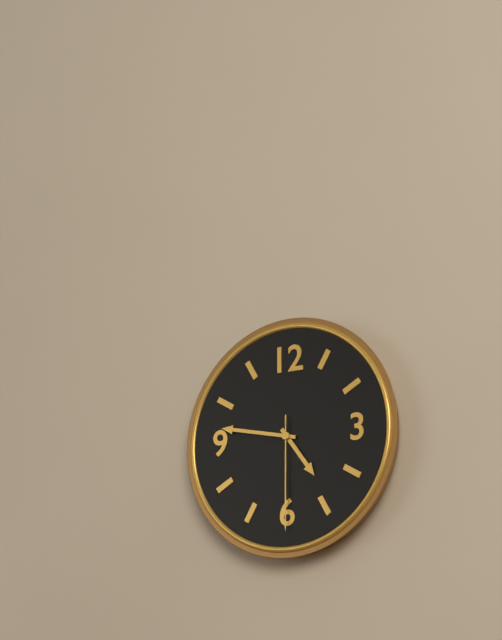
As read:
4.47.30
